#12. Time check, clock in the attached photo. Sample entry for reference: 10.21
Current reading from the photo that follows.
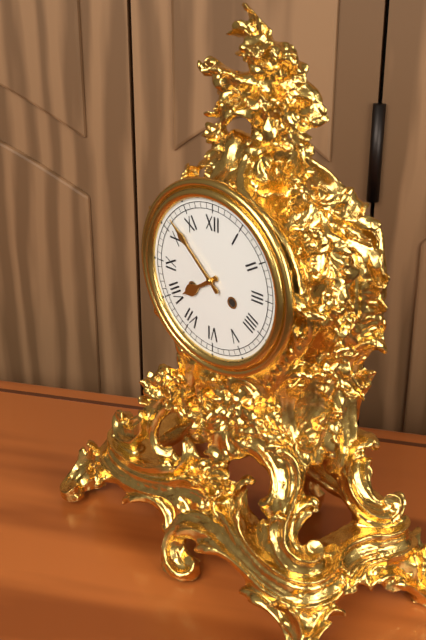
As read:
7.52
